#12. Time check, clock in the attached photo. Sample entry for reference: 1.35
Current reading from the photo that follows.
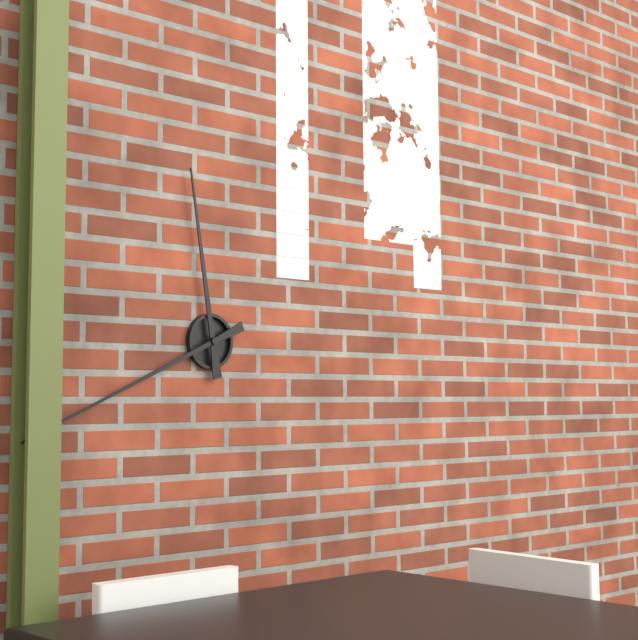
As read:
11.41
